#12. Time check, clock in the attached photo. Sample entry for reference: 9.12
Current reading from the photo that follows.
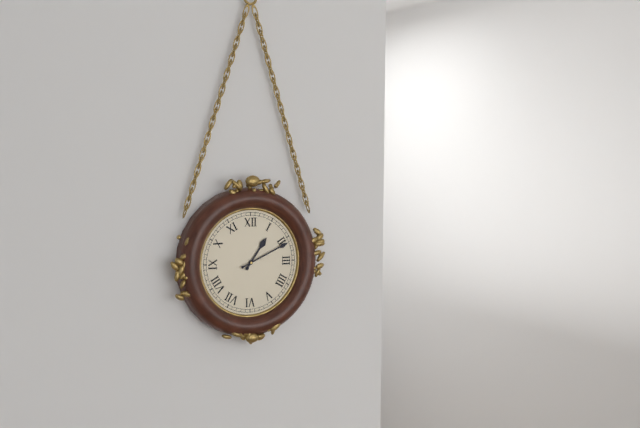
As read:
1.11
